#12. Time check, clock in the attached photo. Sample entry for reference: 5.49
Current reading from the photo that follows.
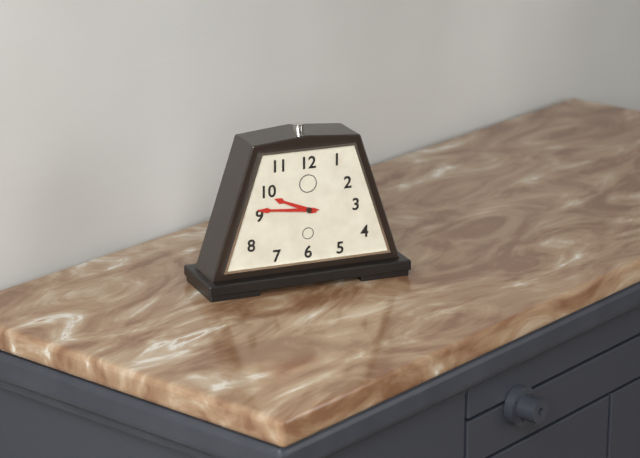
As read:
9.46
